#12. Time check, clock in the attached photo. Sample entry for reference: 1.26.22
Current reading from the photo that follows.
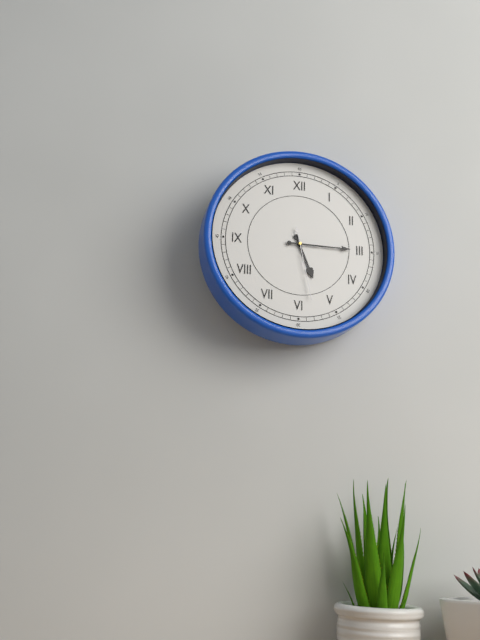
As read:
5.15.28
